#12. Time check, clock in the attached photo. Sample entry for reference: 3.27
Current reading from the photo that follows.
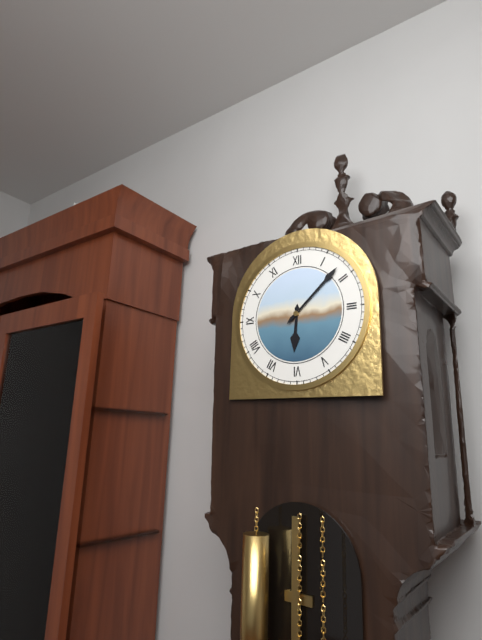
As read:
6.08
